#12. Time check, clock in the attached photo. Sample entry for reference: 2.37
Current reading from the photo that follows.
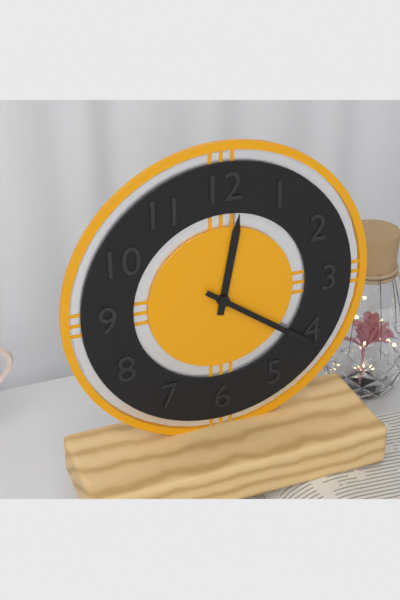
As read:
12.21
